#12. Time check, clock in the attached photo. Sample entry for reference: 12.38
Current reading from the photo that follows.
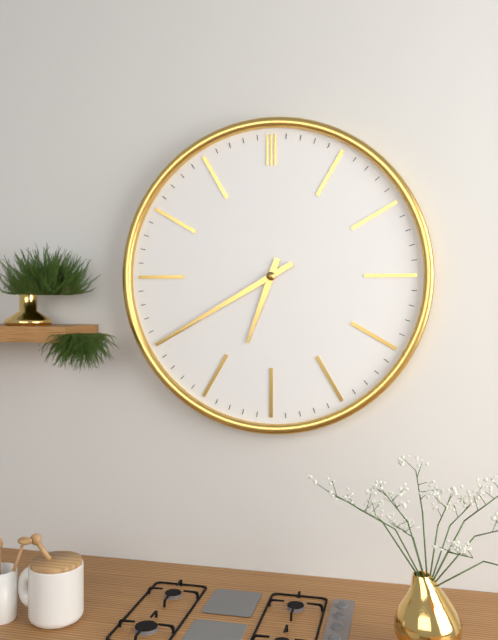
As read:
6.40
